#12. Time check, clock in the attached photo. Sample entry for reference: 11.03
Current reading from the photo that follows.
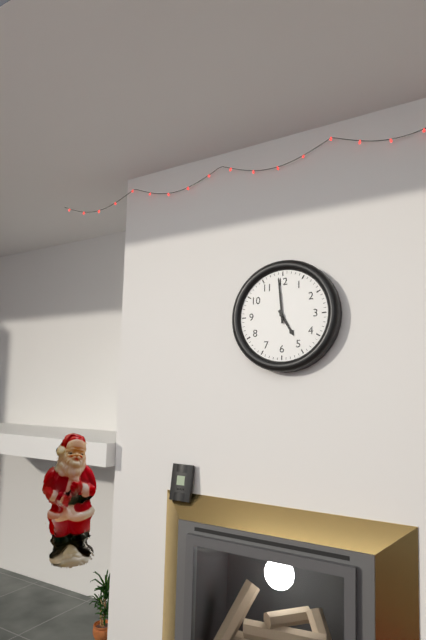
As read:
4.59
